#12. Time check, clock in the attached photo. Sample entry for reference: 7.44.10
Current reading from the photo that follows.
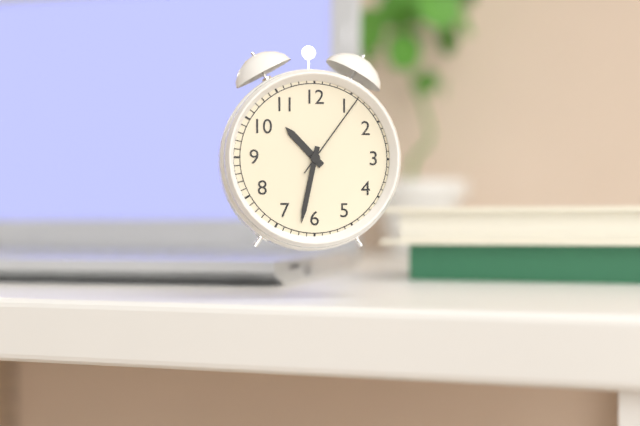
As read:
10.32.06
